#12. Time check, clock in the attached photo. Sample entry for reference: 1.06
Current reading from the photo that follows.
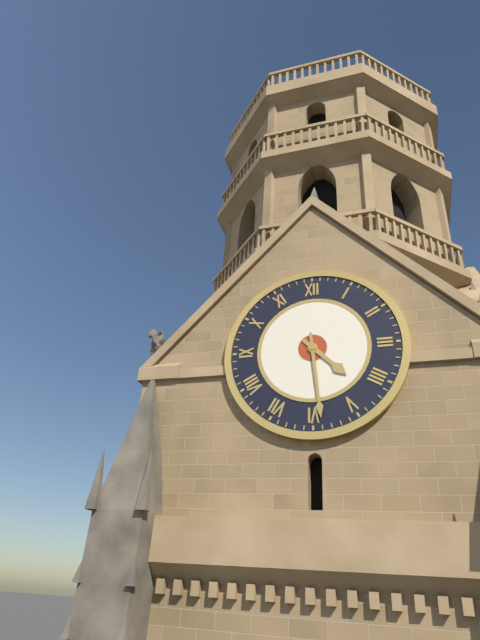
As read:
4.29
